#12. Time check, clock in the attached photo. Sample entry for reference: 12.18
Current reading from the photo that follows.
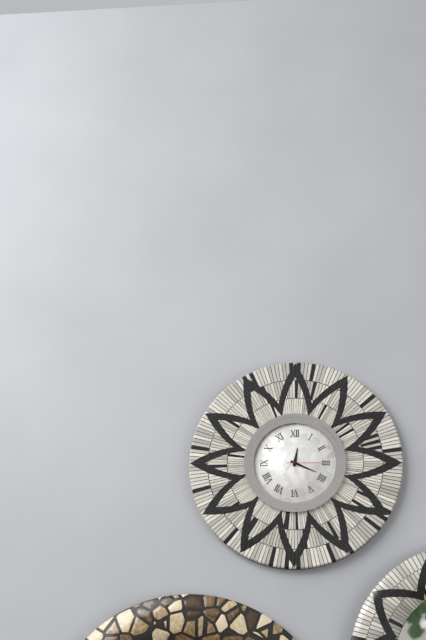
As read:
12.19
